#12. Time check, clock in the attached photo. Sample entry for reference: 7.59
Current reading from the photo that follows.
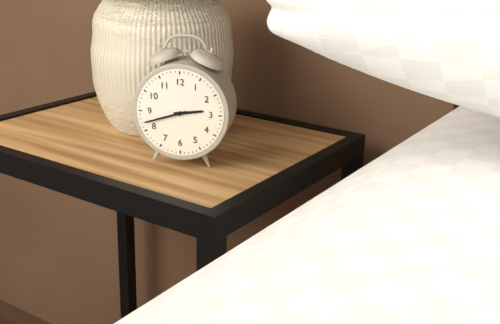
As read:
2.42
